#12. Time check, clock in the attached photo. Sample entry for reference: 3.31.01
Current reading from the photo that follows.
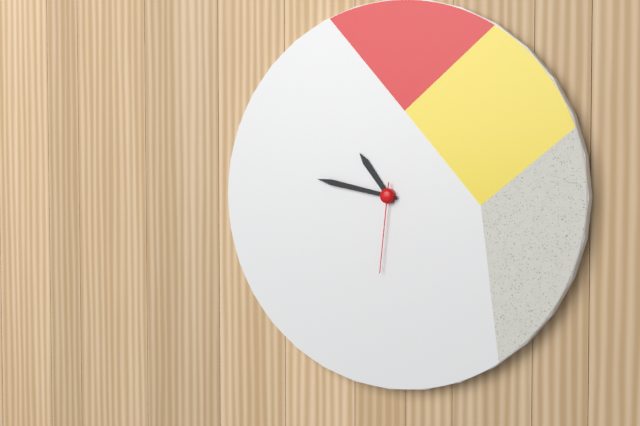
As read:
10.47.31
